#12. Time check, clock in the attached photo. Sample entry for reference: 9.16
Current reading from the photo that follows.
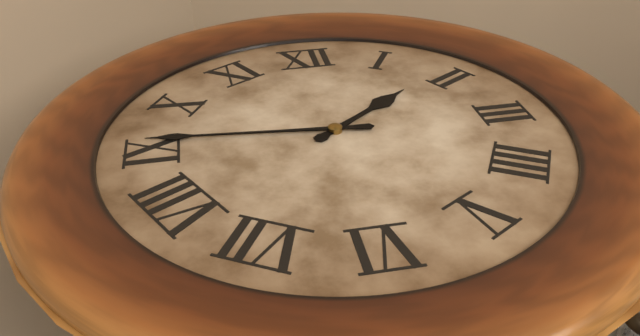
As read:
1.46
